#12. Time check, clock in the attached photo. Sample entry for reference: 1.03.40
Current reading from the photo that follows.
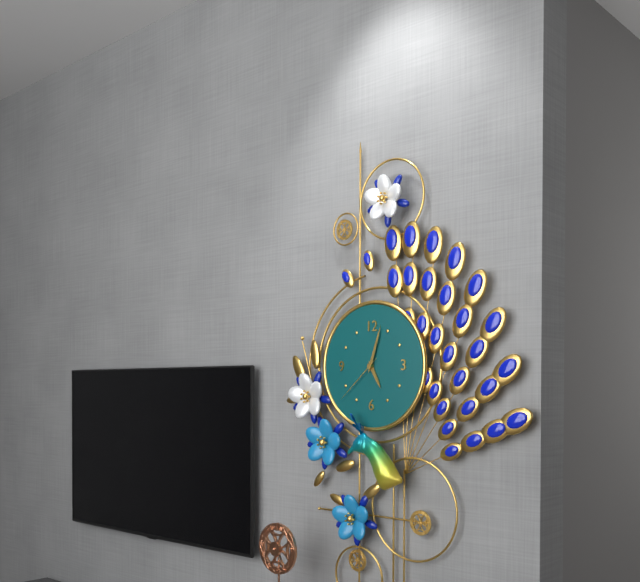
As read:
5.03.38
